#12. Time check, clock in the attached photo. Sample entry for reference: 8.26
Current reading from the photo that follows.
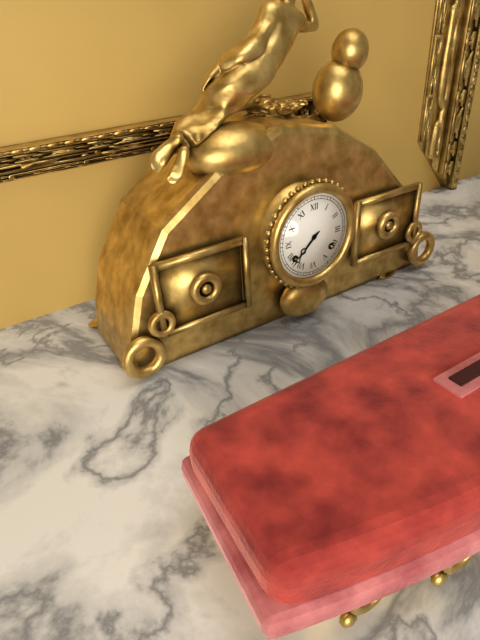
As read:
7.38
